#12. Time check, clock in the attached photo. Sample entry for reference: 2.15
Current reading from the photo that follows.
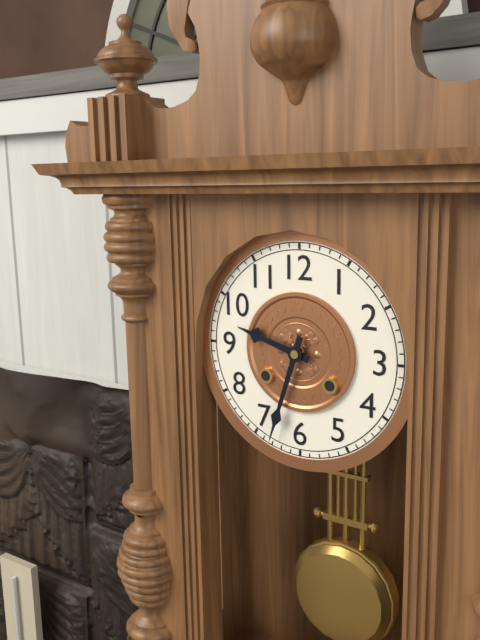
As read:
9.33
